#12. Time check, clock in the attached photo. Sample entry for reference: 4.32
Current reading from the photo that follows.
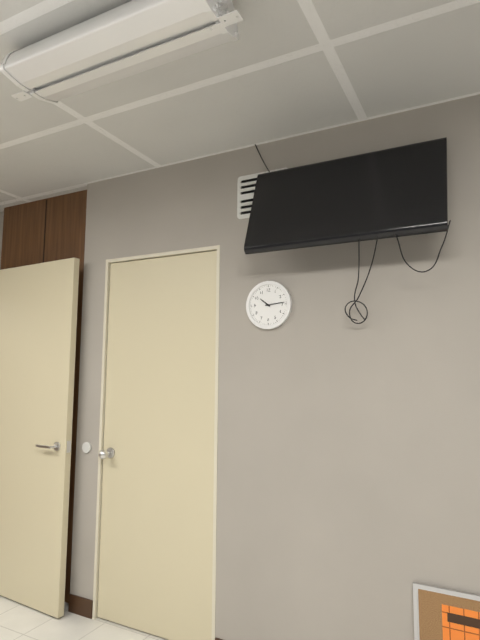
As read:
10.14
